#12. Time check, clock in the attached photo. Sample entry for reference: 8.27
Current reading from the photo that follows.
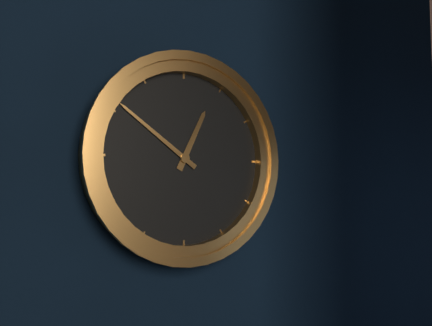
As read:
12.51
